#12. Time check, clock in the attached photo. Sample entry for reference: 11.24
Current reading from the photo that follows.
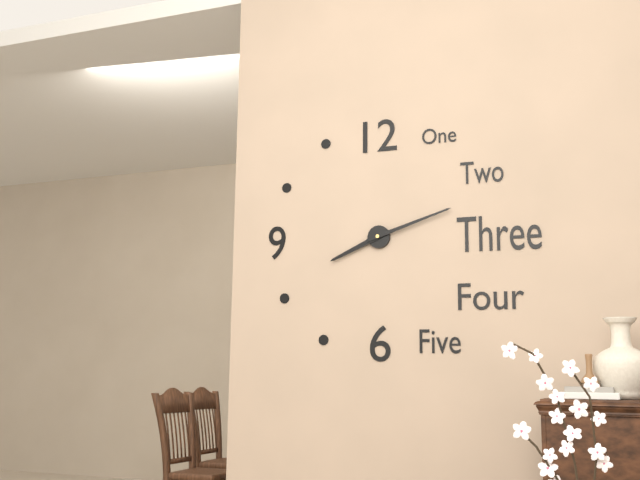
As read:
8.12
